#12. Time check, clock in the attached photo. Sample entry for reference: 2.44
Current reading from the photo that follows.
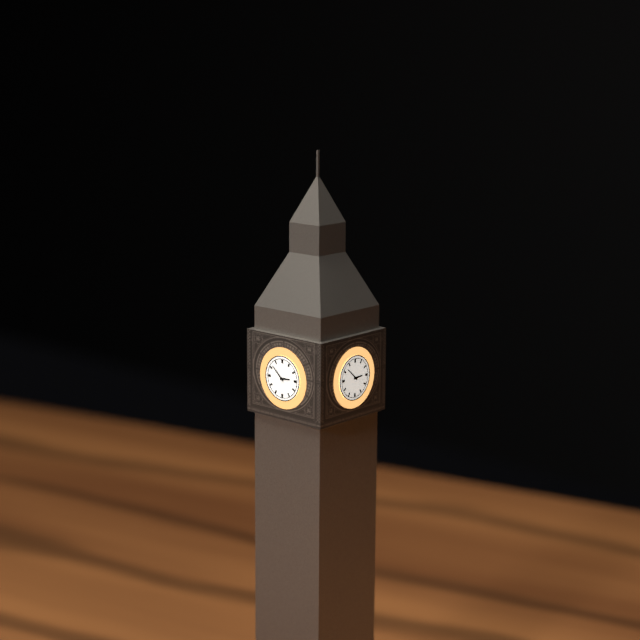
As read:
2.52
